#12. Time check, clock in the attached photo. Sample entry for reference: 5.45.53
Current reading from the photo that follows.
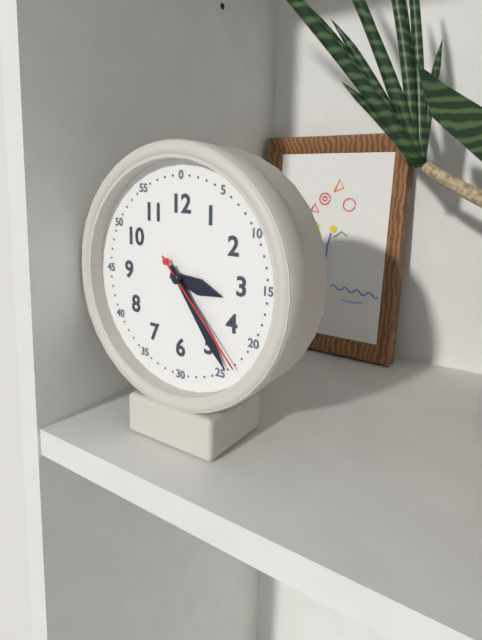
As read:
3.24.23
